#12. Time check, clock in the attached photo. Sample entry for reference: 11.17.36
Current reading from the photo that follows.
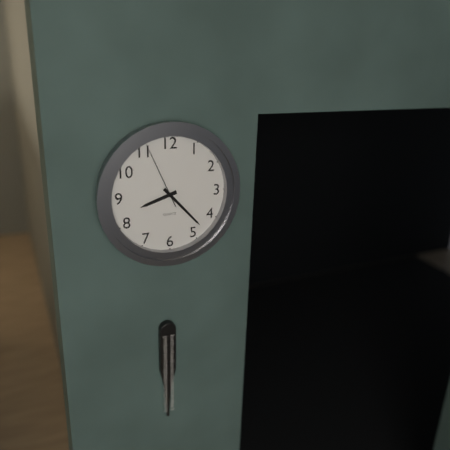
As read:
8.23.56
